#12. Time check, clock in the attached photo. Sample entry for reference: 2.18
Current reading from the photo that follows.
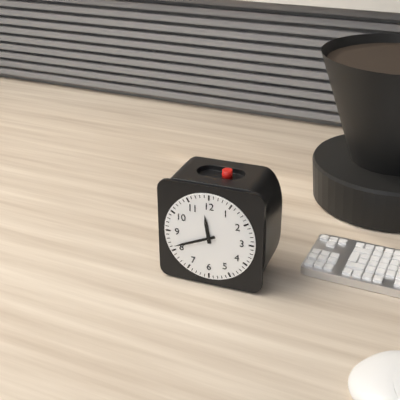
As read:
11.41
